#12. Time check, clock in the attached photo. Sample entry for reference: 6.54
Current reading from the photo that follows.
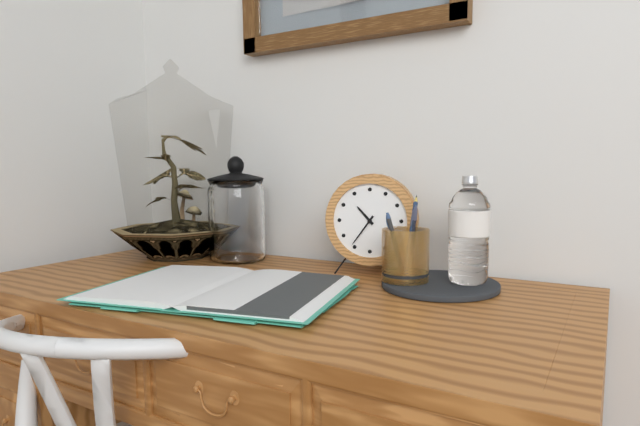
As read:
10.36
